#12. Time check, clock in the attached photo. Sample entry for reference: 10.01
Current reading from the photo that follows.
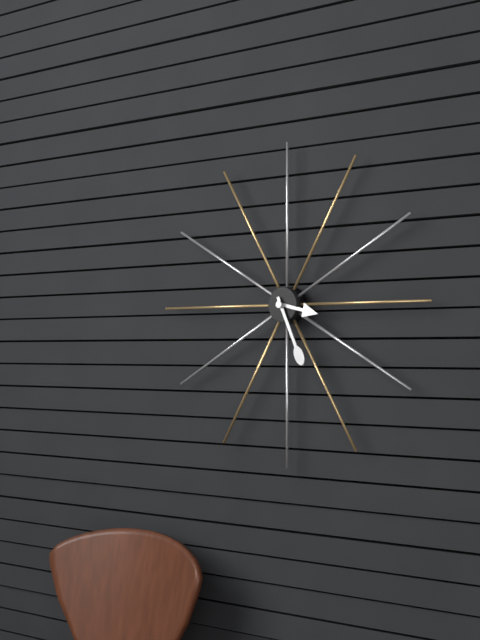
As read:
3.26
